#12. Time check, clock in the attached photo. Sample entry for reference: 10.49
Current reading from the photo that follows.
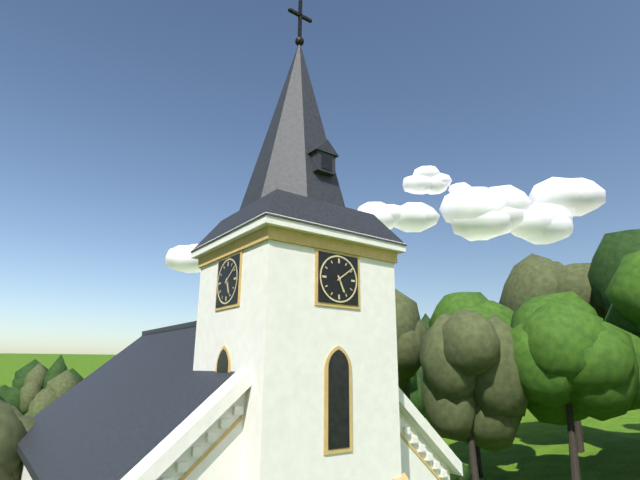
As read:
5.09
